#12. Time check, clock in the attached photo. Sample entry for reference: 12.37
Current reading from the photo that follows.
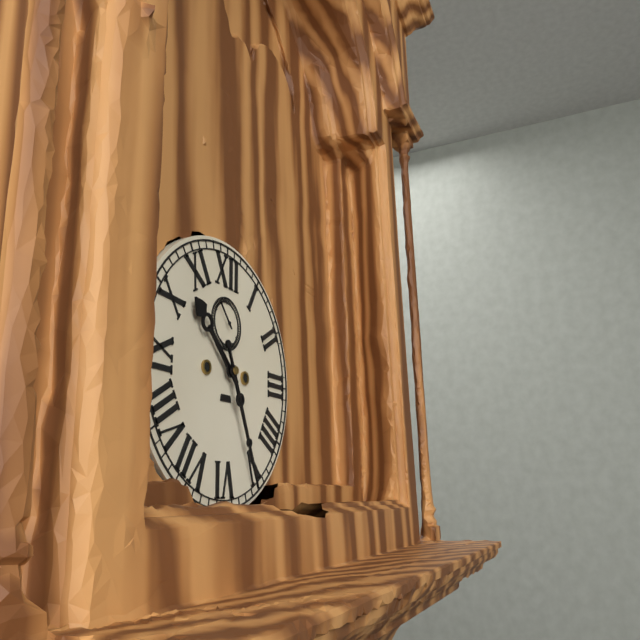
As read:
10.26
